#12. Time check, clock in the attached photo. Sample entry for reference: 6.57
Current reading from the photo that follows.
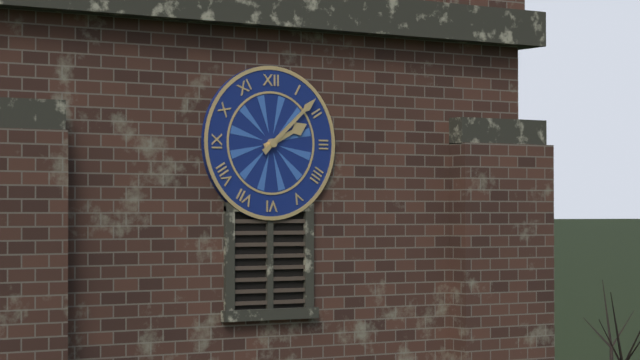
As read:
2.08
